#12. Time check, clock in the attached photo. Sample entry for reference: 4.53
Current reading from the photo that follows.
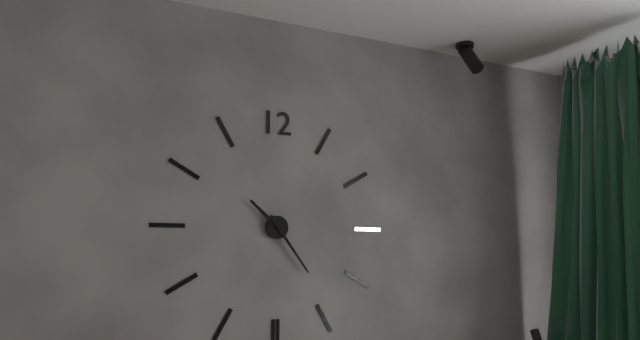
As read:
10.24
